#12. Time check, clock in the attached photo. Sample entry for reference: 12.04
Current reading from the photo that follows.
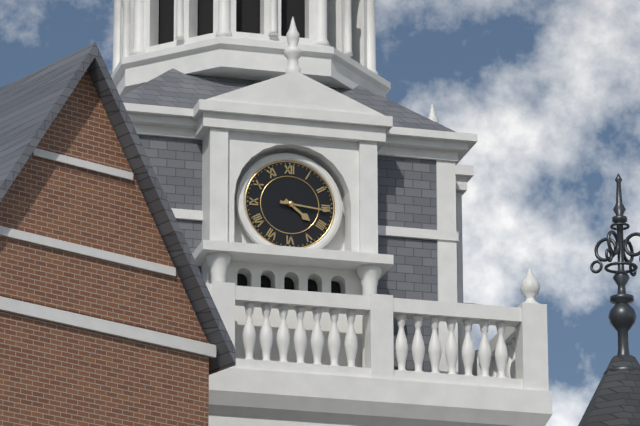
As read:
4.16
